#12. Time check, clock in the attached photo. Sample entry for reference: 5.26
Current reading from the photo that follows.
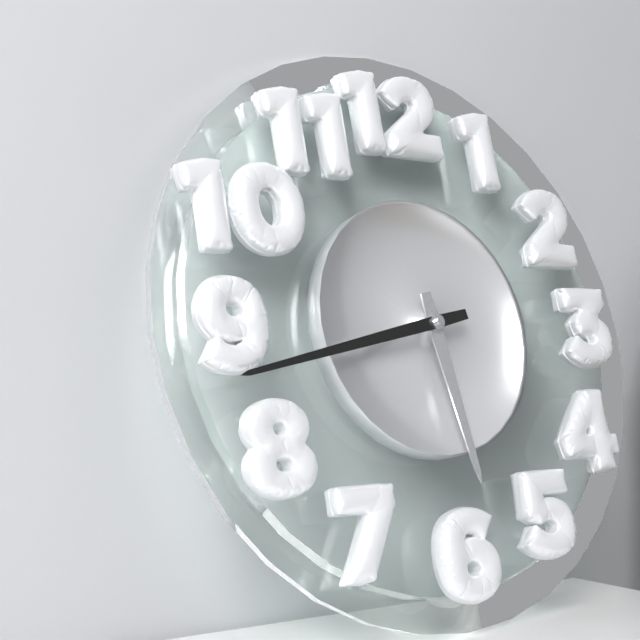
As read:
5.43
